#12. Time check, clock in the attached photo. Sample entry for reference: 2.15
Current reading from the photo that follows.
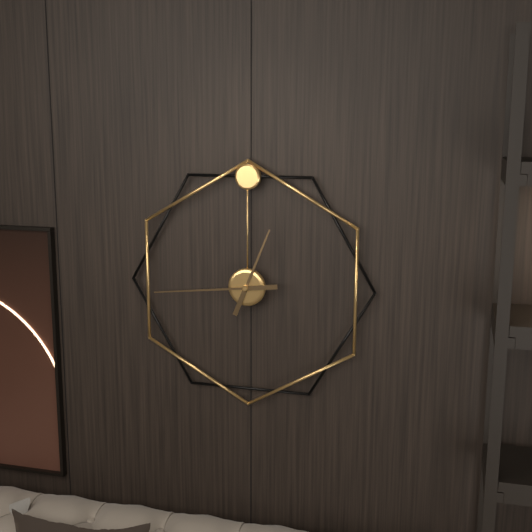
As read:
12.44
